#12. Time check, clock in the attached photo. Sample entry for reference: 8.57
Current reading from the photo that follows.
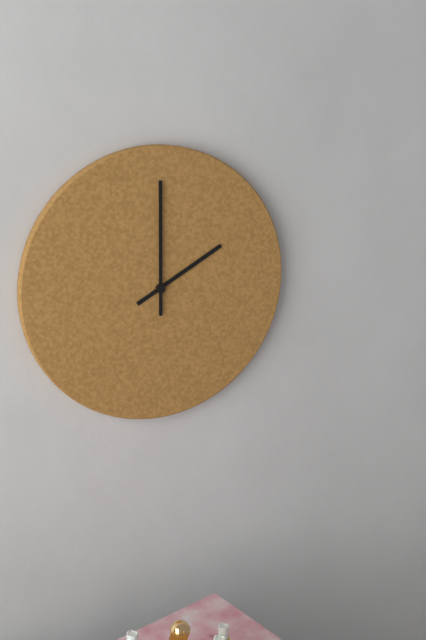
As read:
2.00
